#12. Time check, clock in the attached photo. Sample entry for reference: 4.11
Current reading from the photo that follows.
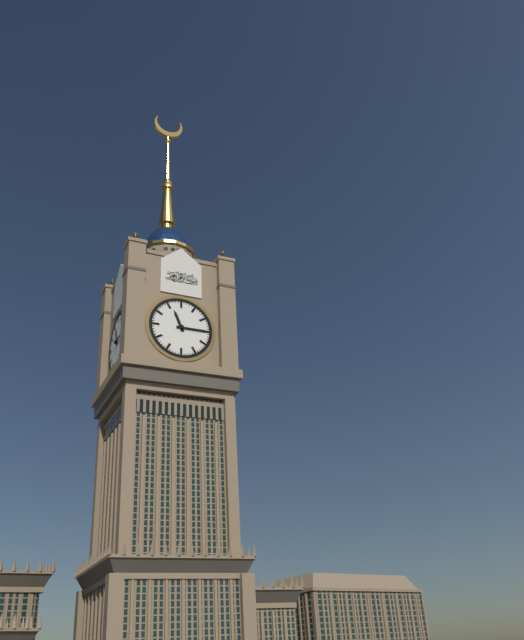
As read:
11.15
